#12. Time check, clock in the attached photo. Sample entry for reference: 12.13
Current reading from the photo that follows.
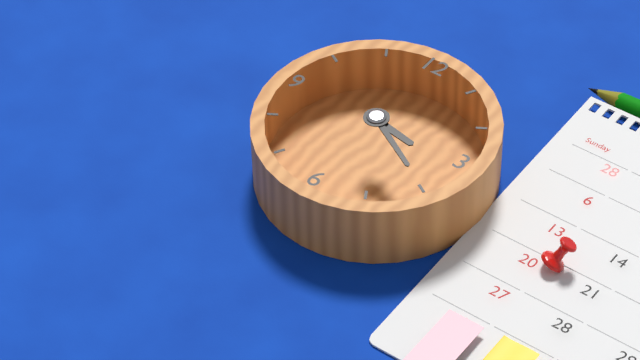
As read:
3.20
